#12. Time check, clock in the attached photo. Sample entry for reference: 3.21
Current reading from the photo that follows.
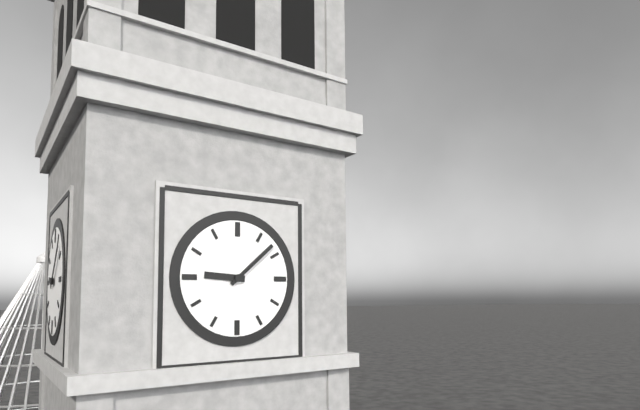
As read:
9.08
